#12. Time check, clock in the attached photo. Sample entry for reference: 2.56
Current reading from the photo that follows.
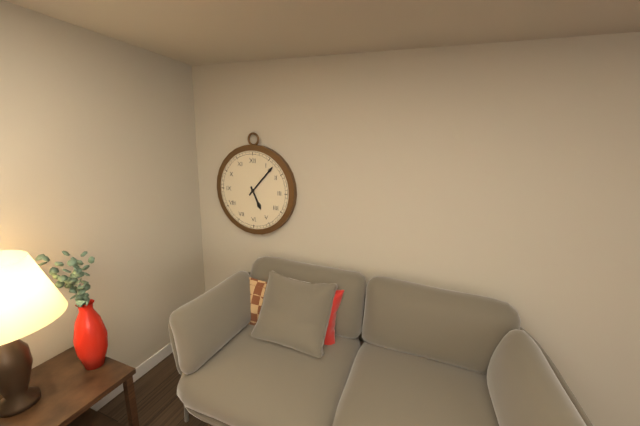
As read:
5.07
